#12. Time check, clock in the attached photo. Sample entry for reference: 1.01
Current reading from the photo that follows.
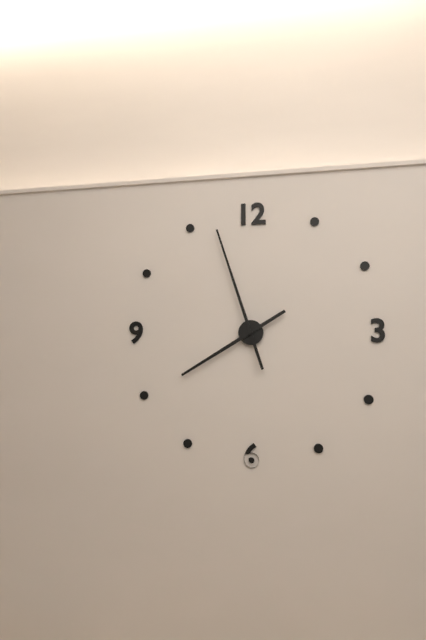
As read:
7.57
